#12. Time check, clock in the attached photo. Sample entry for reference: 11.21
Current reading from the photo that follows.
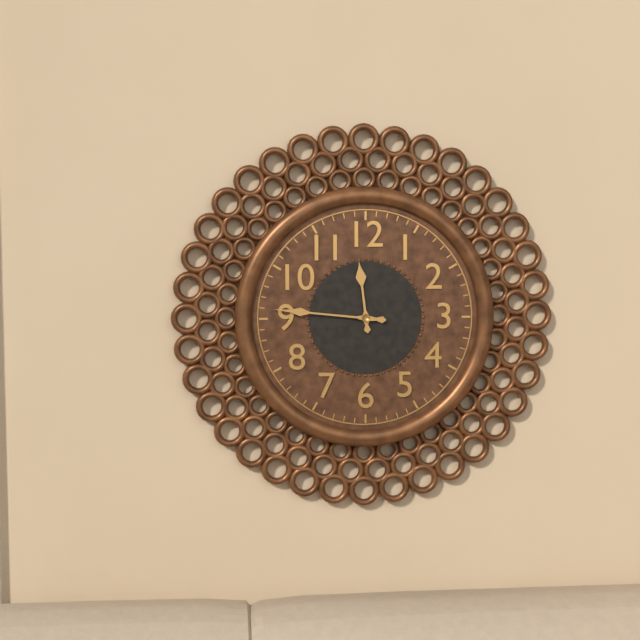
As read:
11.46
